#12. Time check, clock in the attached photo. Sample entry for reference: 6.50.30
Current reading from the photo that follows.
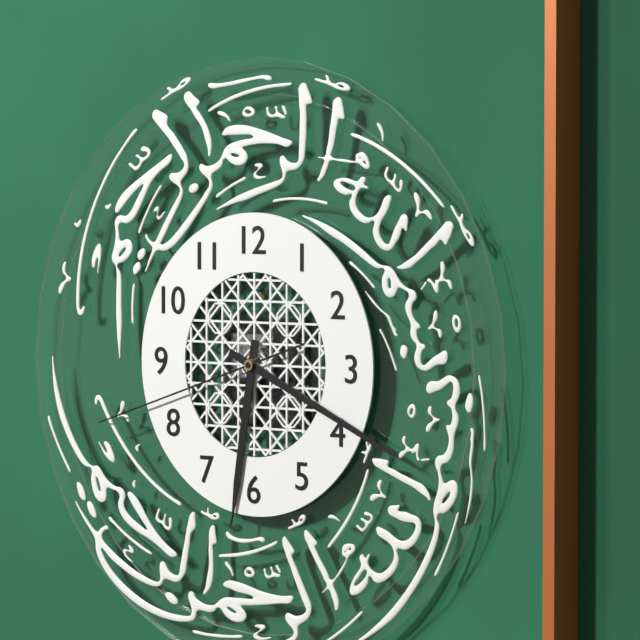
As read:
6.19.42
